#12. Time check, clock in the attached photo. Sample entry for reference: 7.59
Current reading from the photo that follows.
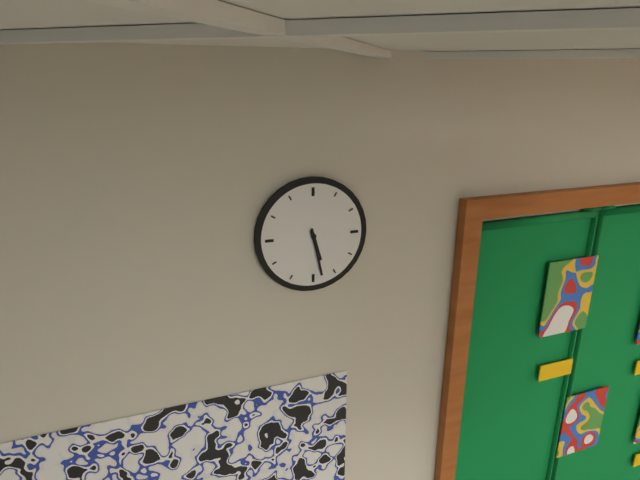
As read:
5.28
